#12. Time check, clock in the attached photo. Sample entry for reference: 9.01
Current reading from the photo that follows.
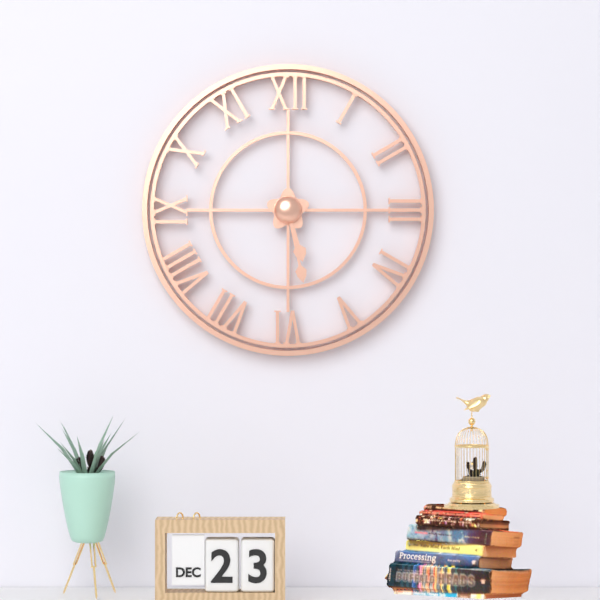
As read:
5.28
